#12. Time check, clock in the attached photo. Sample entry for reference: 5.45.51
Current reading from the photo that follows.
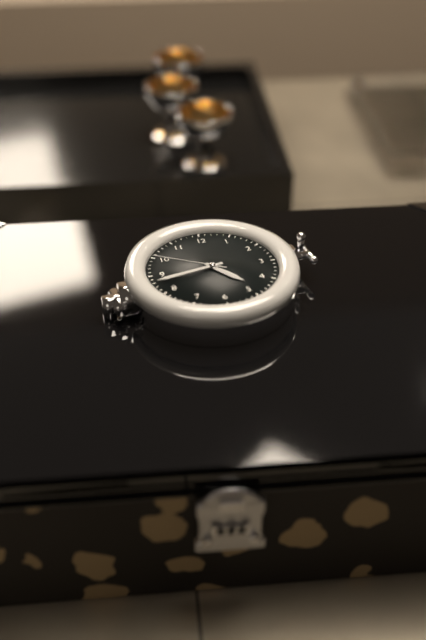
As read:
4.43.50
